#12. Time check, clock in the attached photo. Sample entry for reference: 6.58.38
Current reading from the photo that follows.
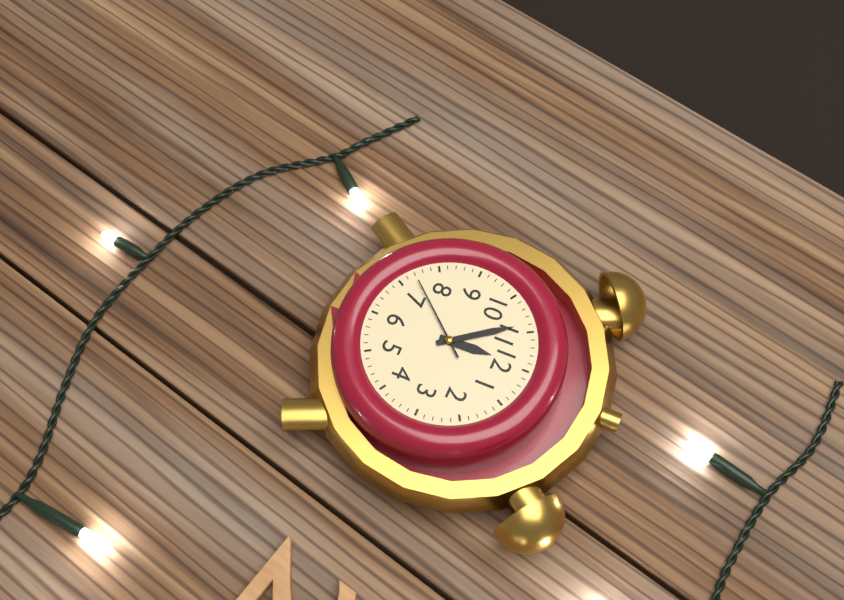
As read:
11.54.37
